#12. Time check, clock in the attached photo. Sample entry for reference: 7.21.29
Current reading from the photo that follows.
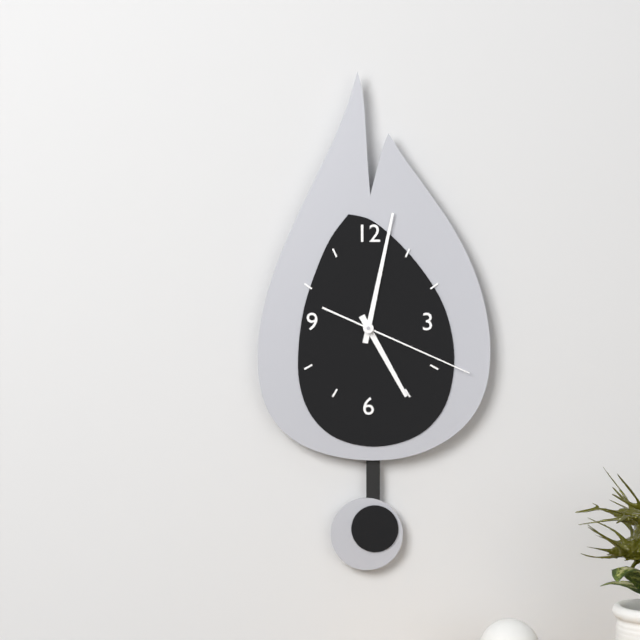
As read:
5.02.19
